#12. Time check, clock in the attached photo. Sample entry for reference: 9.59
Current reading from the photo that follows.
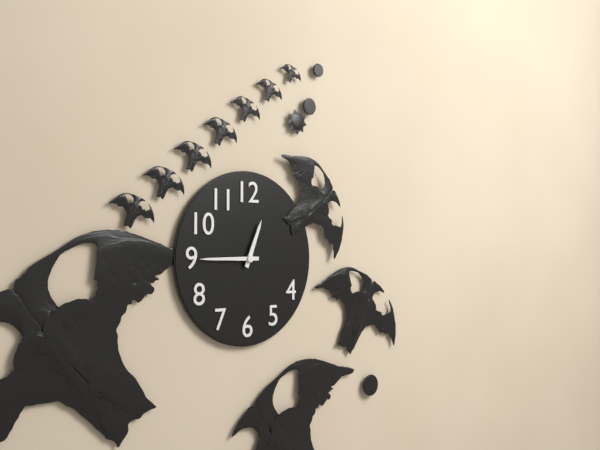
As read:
12.45
